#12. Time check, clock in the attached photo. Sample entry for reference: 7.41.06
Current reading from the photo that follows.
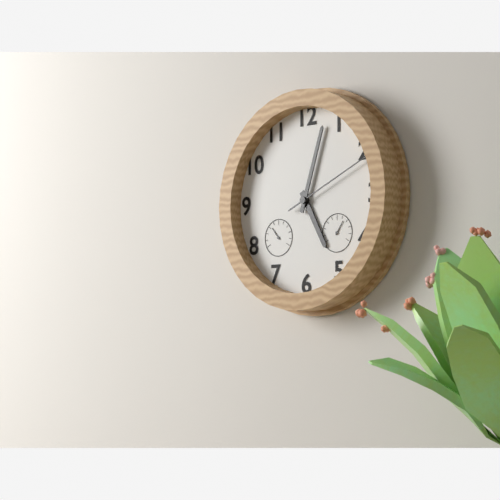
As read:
5.03.11
